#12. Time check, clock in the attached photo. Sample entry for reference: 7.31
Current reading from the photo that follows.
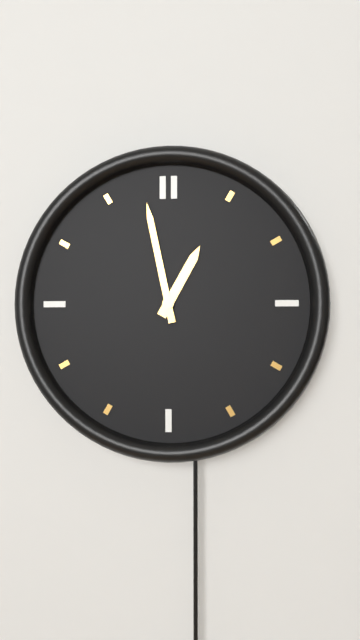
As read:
12.58
